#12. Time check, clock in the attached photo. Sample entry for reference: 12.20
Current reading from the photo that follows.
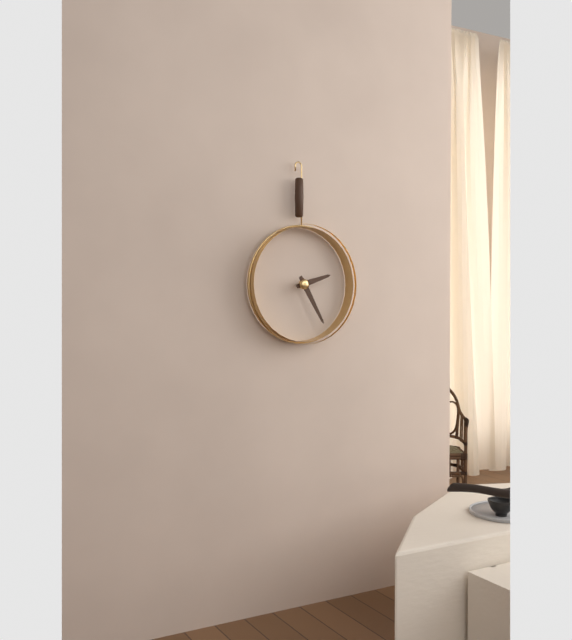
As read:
2.25
